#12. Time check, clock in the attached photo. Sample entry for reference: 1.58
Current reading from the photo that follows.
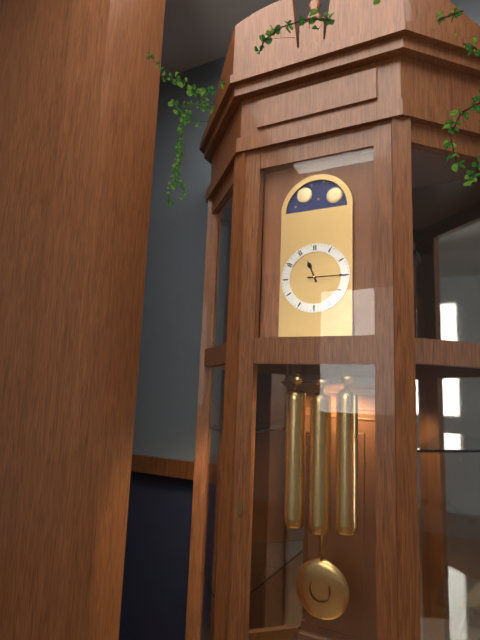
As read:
11.15
